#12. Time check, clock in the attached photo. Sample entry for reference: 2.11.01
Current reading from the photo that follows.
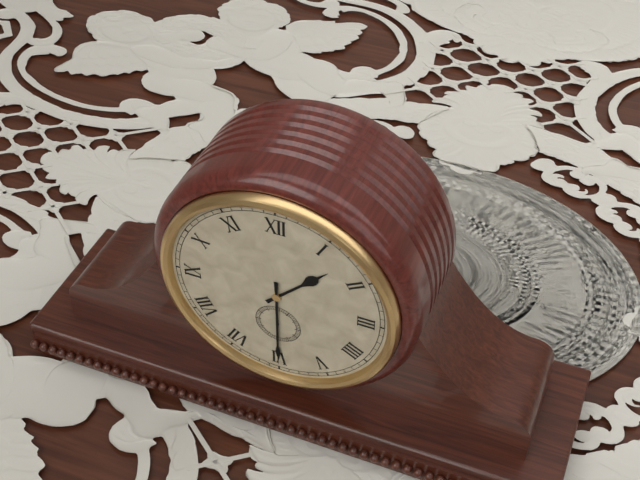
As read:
1.30.30
